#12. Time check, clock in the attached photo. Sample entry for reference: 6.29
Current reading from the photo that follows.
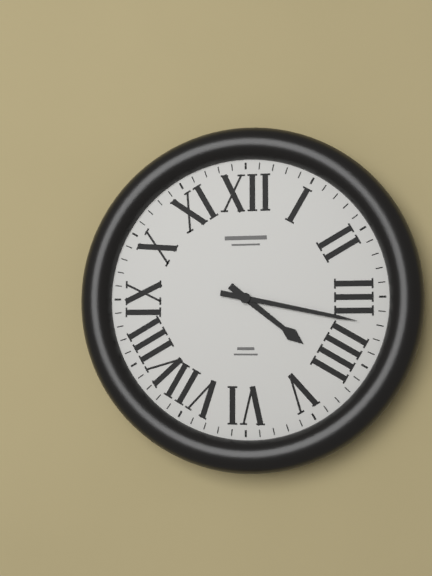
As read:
4.17
